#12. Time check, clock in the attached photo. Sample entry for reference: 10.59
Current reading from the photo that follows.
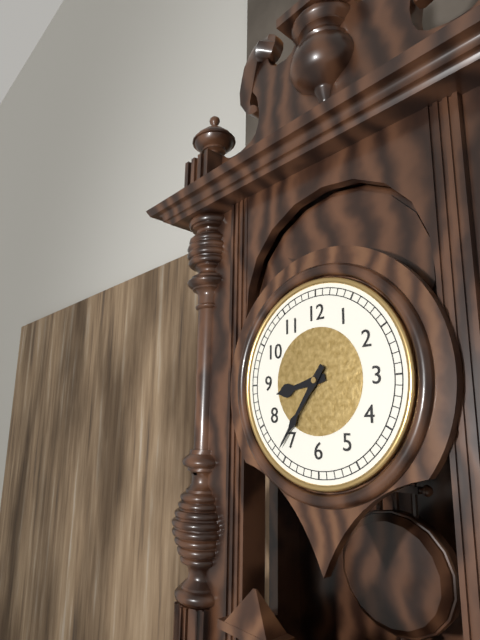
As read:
8.36
